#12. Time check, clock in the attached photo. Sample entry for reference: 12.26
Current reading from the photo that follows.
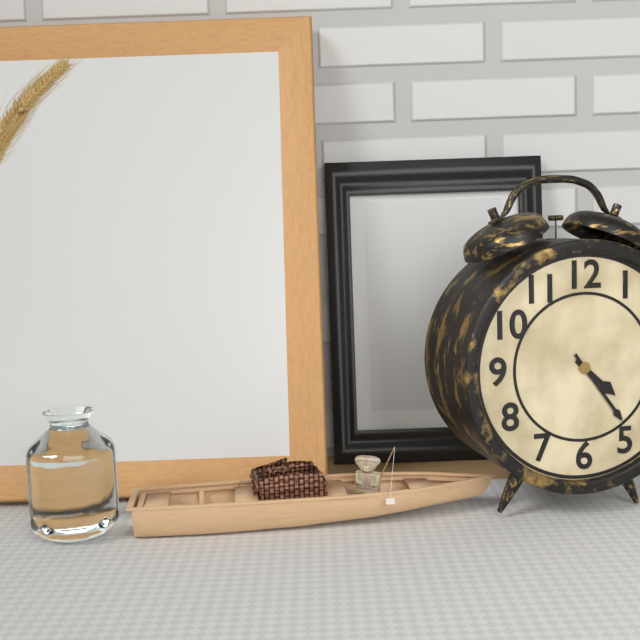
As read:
4.24
